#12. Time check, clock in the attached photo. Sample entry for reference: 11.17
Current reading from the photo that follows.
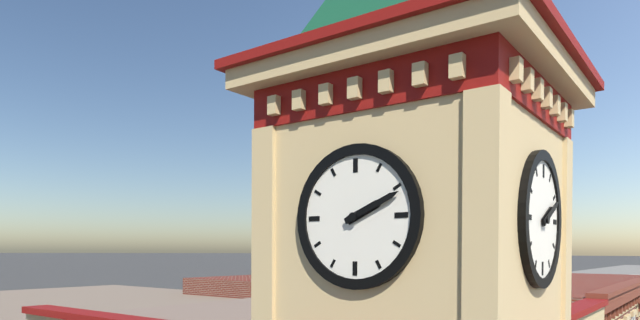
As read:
2.11
